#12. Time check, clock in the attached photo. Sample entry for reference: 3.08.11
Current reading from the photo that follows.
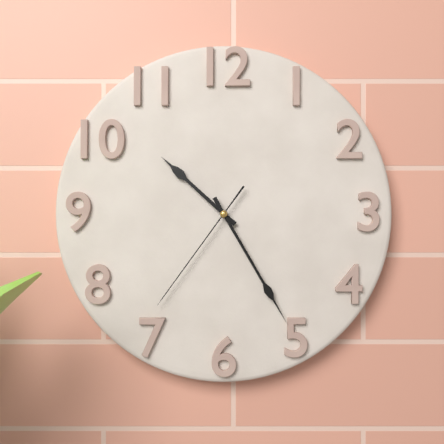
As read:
10.25.36
